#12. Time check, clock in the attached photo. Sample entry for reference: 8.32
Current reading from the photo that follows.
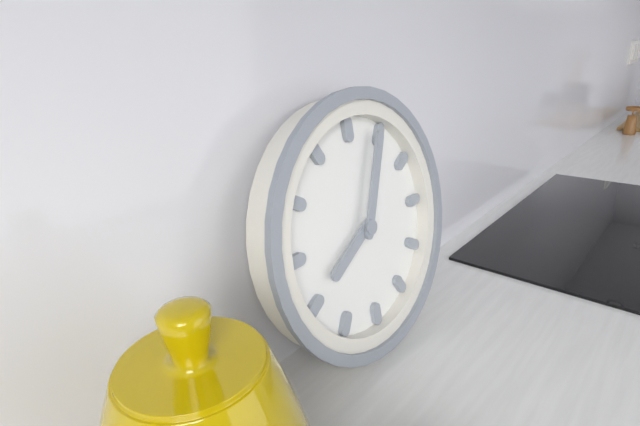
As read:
8.04
